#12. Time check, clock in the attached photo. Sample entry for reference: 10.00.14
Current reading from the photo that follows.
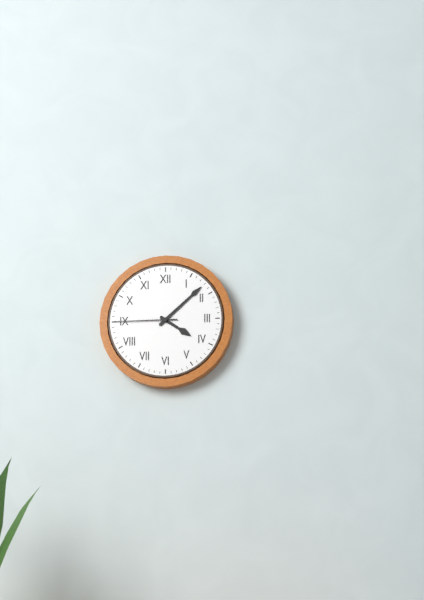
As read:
4.08.45
